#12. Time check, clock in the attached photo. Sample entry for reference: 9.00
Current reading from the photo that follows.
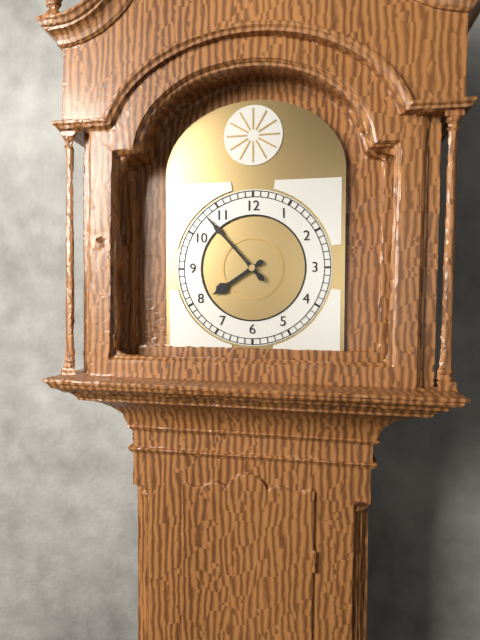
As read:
7.53
